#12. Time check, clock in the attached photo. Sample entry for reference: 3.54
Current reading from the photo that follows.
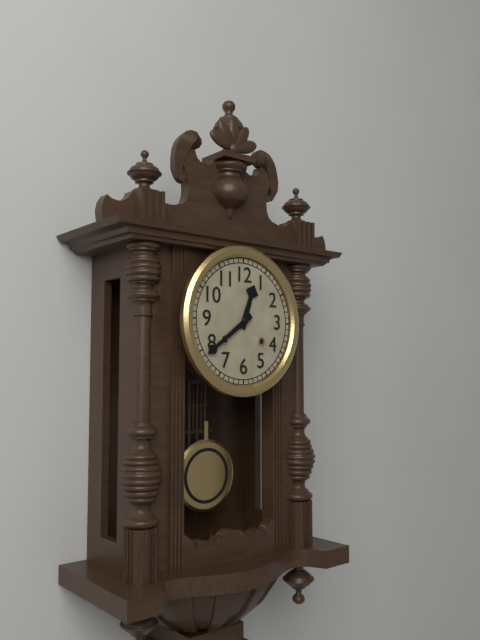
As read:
12.39
